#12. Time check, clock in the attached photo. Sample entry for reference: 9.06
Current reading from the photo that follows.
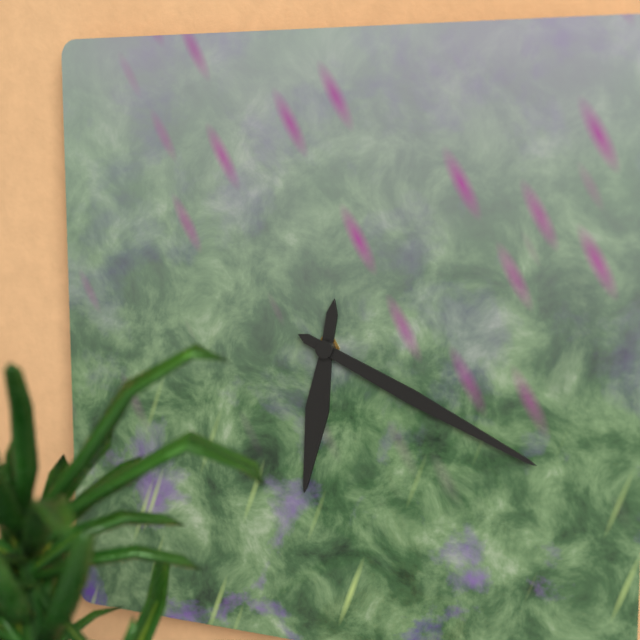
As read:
6.19
